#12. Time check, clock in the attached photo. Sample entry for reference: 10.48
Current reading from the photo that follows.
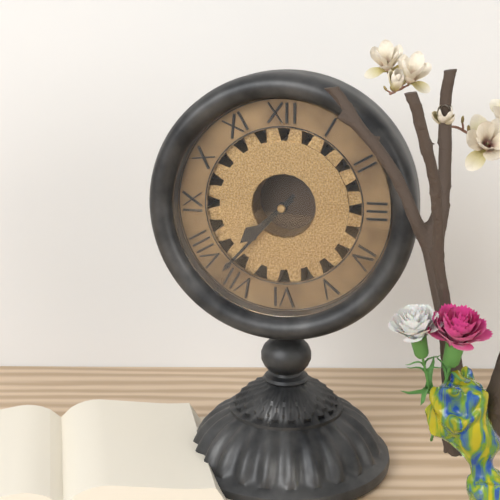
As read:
7.37
